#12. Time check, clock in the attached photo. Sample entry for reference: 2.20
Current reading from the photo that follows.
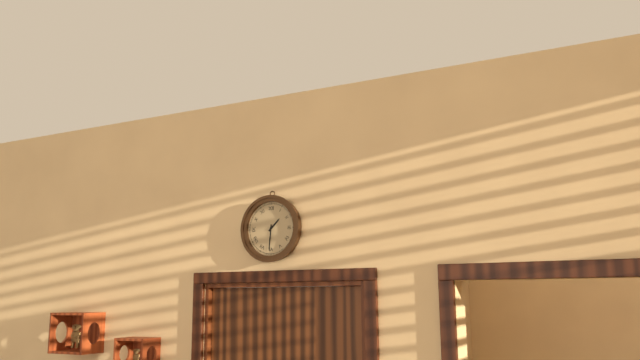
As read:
1.31
